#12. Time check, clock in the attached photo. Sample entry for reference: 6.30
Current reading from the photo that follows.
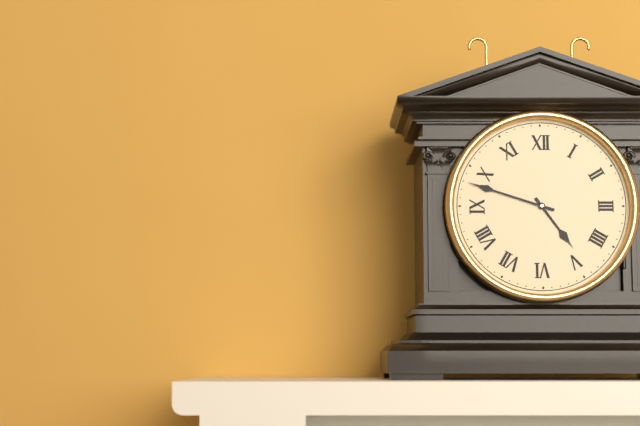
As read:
4.48
